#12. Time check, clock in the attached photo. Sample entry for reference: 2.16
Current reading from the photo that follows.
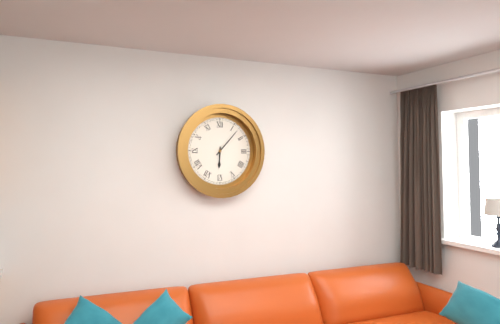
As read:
6.07
